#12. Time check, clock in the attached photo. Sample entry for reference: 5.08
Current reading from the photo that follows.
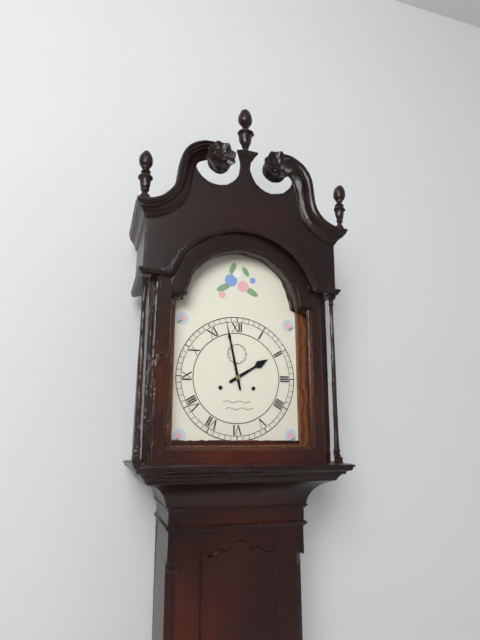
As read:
1.58
